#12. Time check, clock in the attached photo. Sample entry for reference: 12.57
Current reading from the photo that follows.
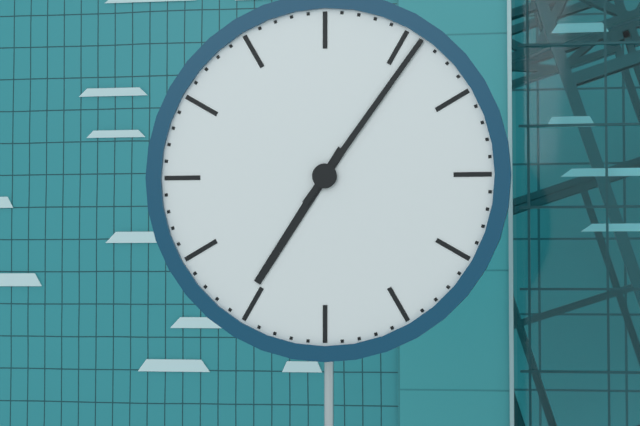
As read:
7.06
